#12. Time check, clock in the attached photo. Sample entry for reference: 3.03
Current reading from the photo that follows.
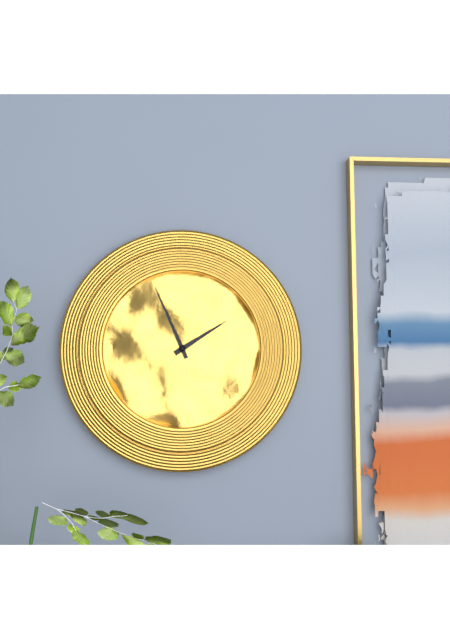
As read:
1.56
